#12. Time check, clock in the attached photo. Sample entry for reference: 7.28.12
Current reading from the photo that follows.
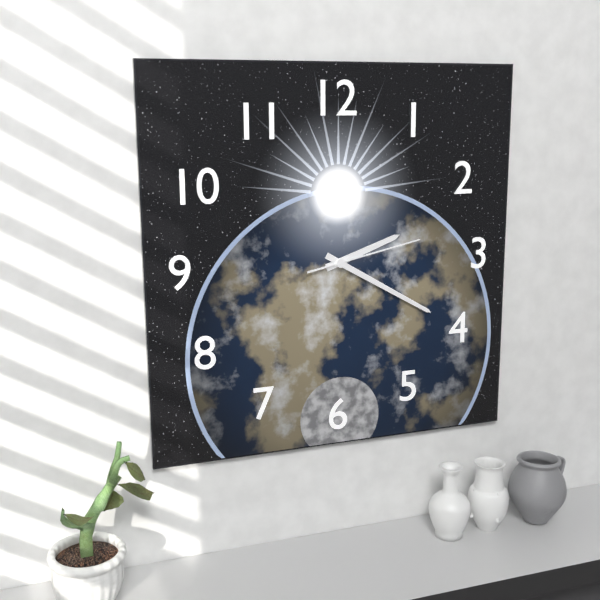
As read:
2.20.13
